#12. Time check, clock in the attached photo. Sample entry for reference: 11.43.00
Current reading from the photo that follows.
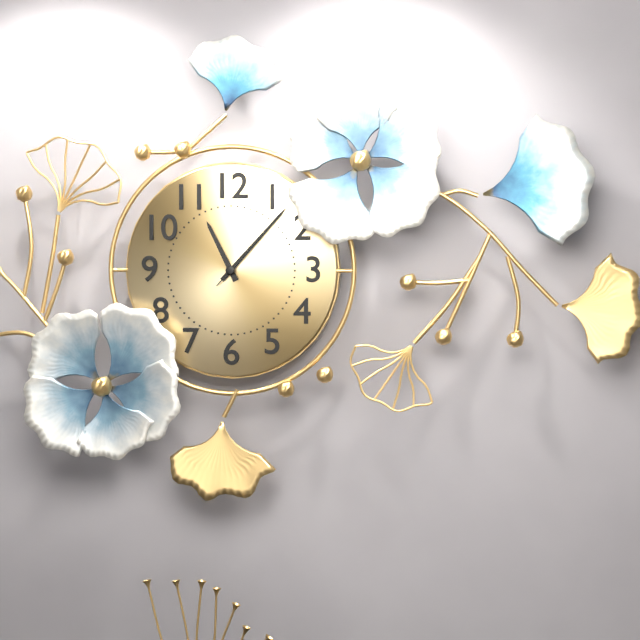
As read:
11.07.07
